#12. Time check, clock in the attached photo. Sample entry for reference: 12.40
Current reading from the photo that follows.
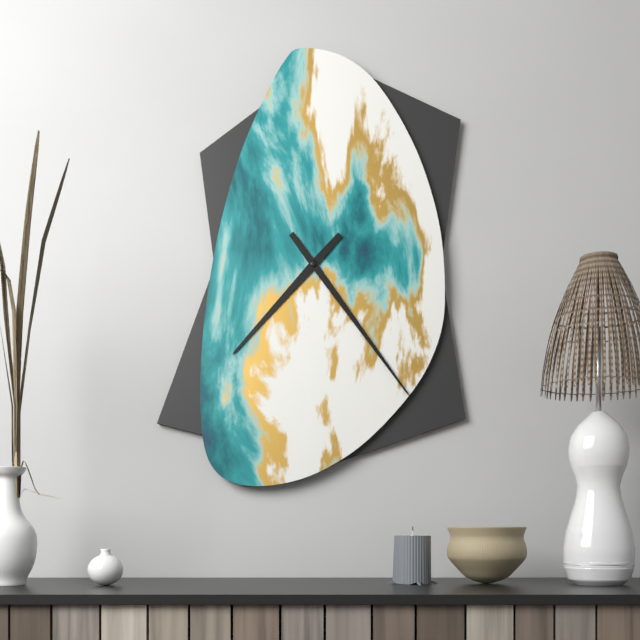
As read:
7.24
